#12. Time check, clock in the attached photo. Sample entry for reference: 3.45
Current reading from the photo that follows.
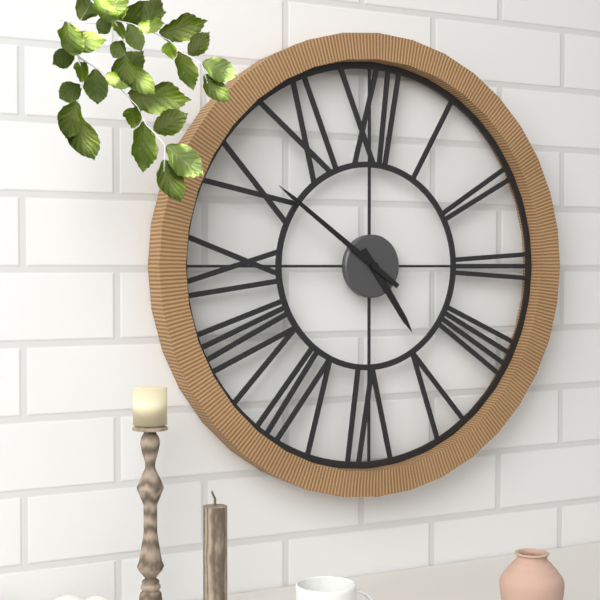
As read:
4.51
